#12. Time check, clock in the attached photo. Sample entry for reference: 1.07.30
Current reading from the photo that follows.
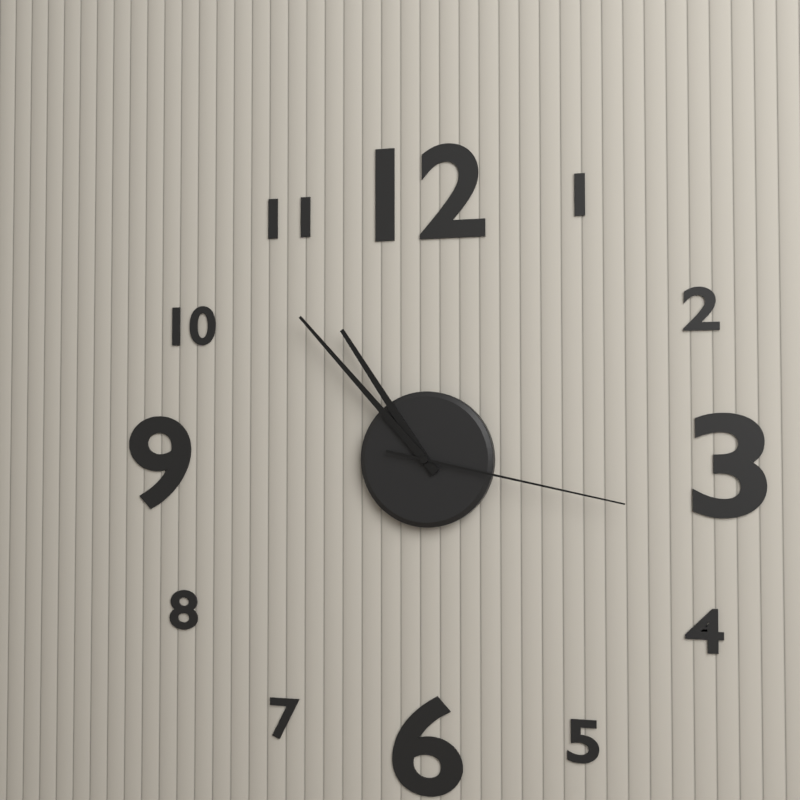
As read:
10.53.17
